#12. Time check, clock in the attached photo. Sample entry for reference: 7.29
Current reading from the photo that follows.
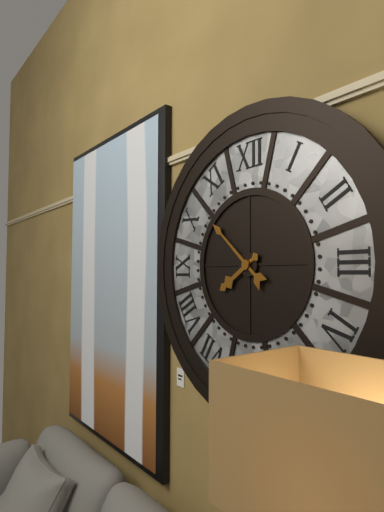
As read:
7.52
